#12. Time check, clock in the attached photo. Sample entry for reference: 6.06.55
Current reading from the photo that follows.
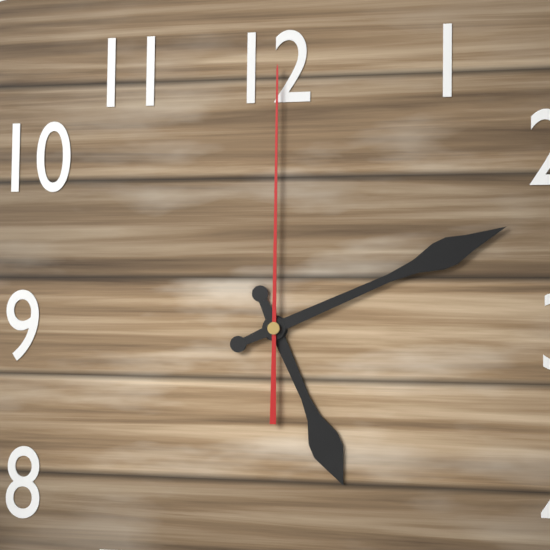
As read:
5.11.00
